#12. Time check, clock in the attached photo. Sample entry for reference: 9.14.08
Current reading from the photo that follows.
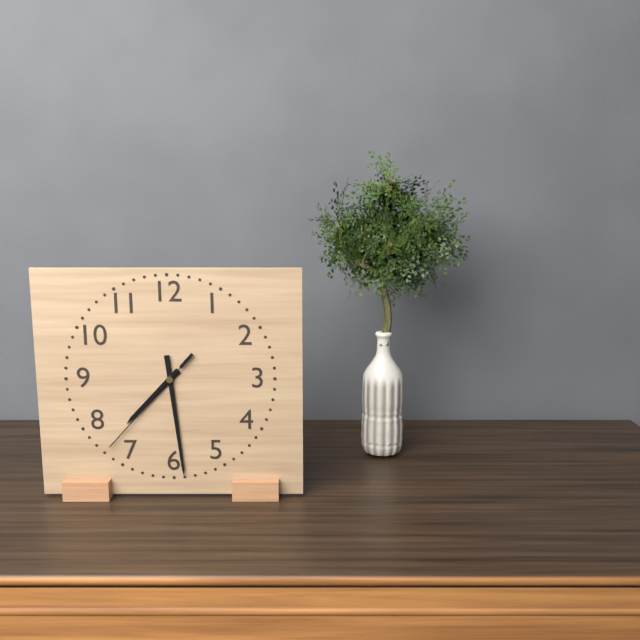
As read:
7.29.37
